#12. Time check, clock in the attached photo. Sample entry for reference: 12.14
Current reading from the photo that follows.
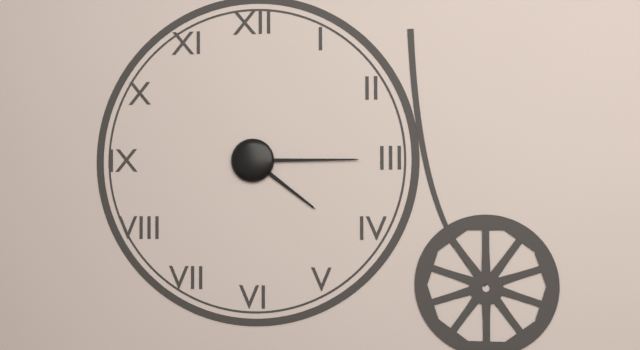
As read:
4.15
